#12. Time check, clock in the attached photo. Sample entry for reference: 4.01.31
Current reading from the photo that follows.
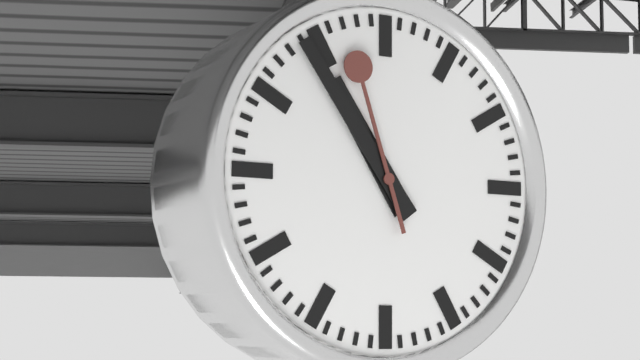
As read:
10.54.57
